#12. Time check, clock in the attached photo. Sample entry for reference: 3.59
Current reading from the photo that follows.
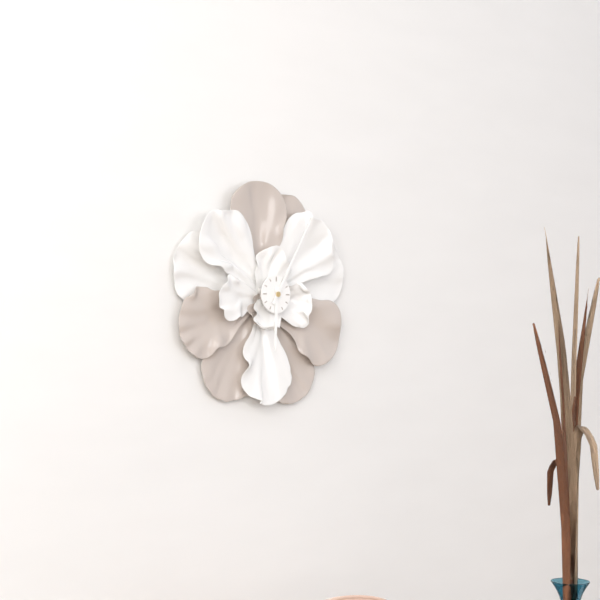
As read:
6.05
